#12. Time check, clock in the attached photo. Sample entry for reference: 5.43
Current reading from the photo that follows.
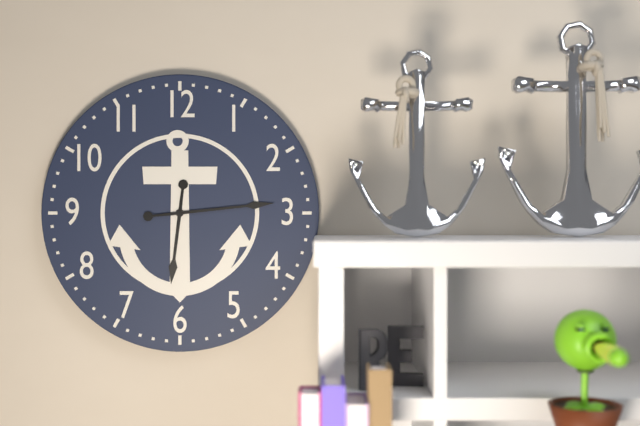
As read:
6.14
